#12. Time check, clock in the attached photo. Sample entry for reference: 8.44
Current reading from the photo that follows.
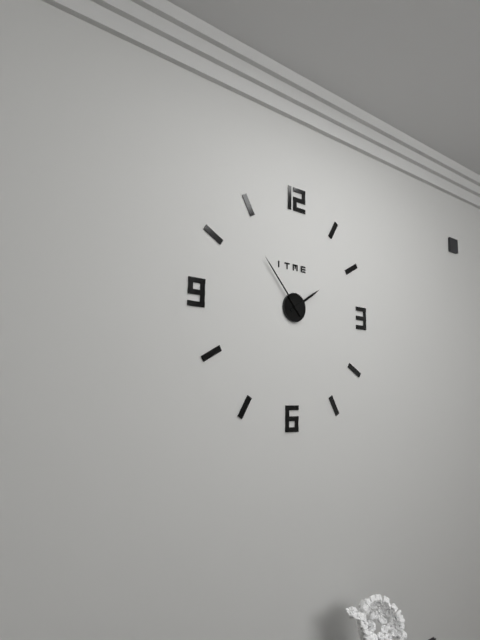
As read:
1.53
